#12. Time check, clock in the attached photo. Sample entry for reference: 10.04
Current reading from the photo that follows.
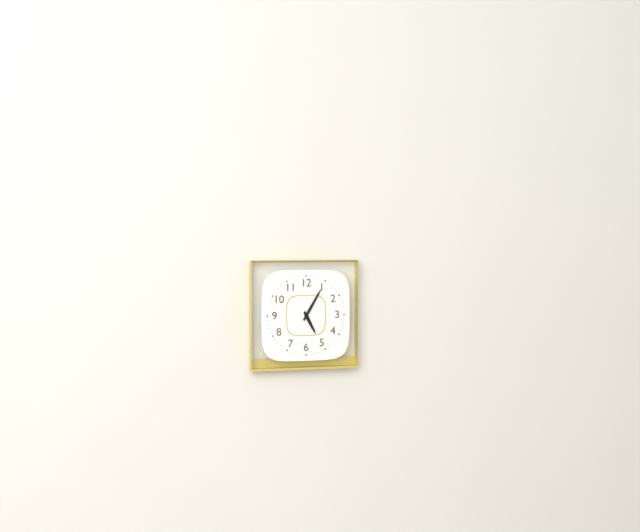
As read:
5.05
